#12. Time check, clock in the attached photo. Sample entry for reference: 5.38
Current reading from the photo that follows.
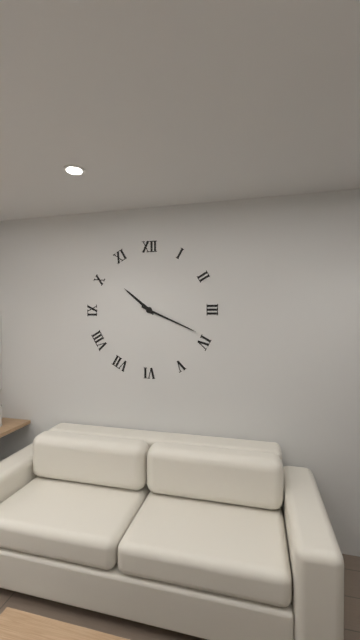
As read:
10.19
